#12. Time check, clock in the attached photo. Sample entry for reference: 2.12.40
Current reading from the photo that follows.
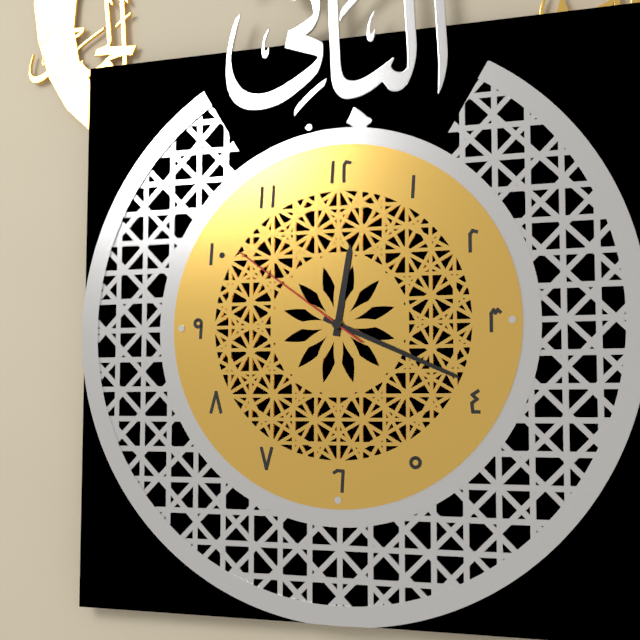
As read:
12.19.51
